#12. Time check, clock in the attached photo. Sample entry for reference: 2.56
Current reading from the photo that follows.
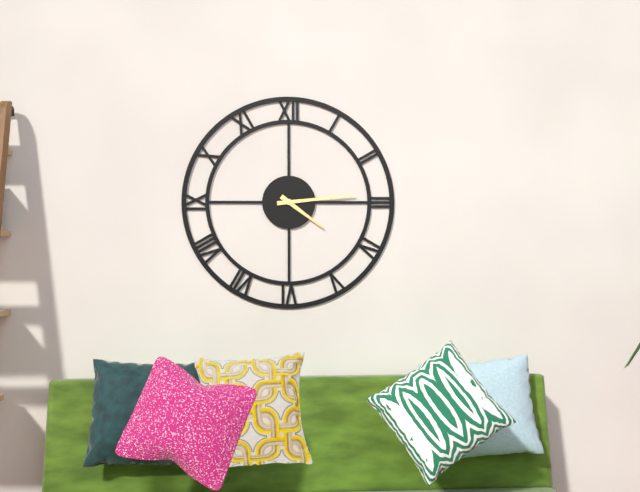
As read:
4.14
